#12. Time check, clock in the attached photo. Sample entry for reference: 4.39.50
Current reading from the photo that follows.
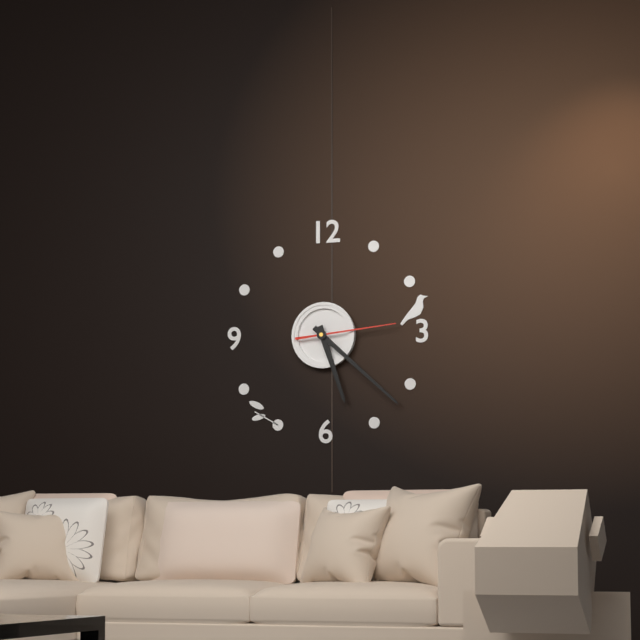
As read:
5.22.14
